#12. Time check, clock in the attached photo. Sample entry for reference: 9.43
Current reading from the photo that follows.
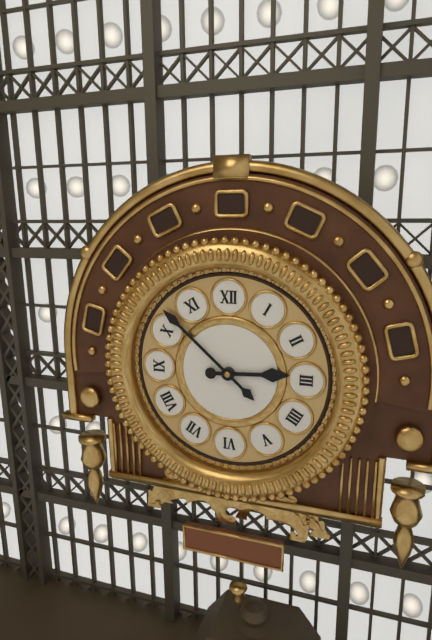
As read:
2.52
